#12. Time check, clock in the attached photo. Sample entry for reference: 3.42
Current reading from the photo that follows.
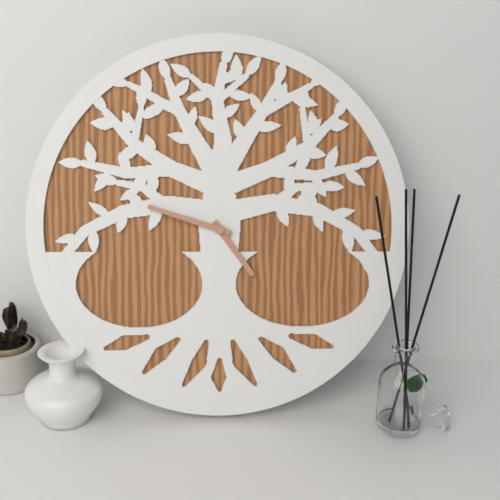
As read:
4.48
